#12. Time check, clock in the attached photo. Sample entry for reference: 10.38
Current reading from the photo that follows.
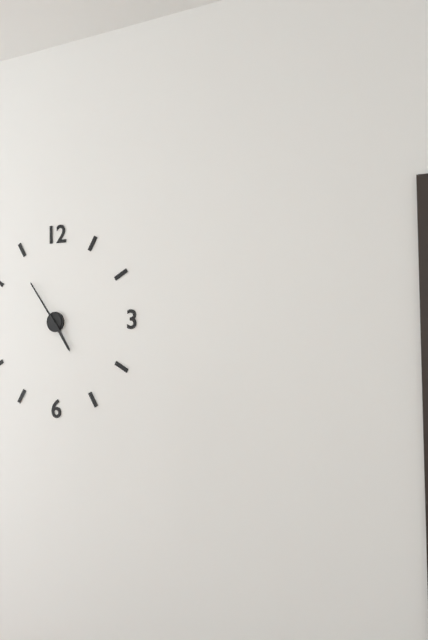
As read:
4.54
